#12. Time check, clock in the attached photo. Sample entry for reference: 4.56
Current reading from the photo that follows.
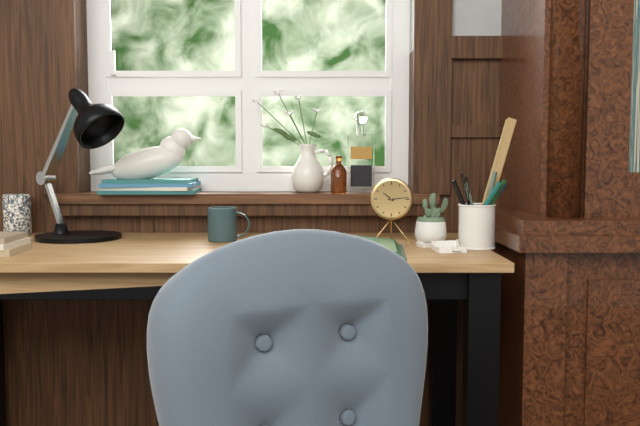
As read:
10.14
